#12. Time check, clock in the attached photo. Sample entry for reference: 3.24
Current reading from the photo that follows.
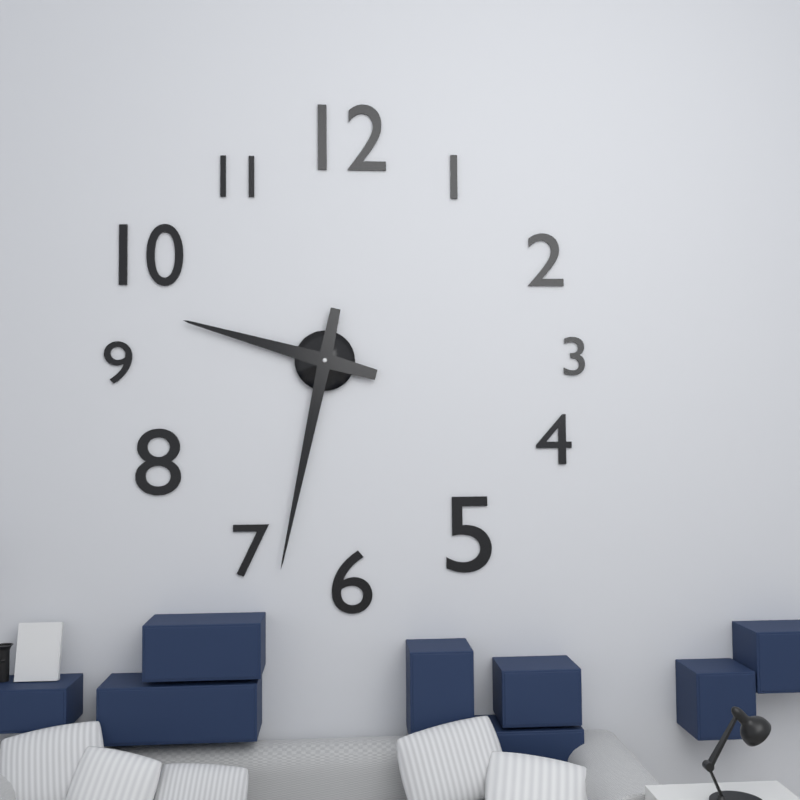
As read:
9.32
